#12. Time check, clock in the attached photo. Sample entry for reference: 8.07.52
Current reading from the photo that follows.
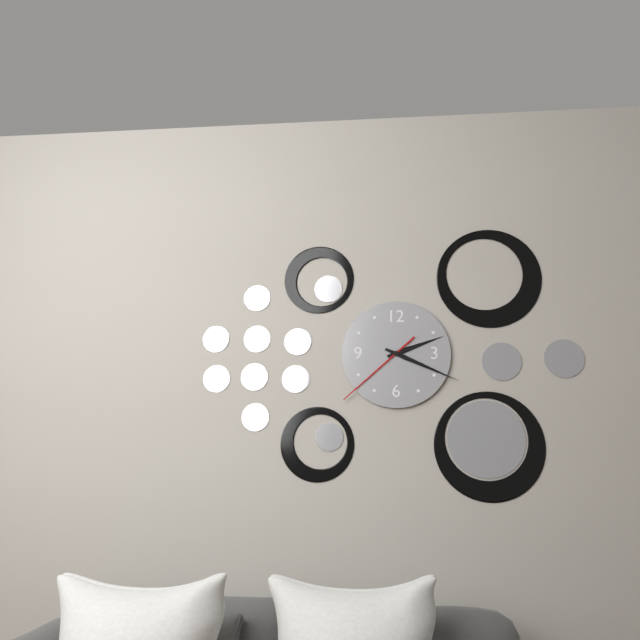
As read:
2.19.38
